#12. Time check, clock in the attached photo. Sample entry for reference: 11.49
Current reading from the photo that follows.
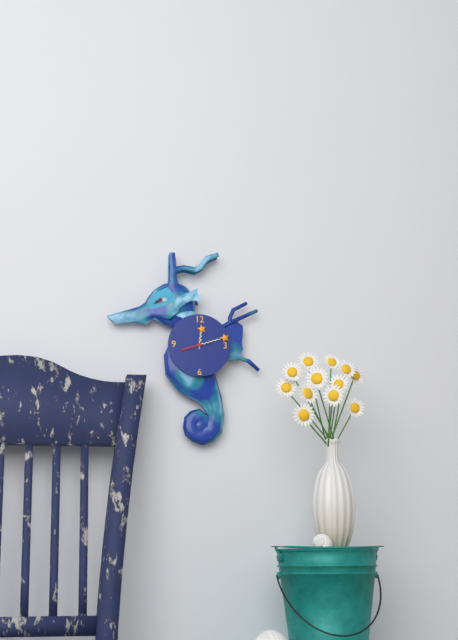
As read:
12.12
